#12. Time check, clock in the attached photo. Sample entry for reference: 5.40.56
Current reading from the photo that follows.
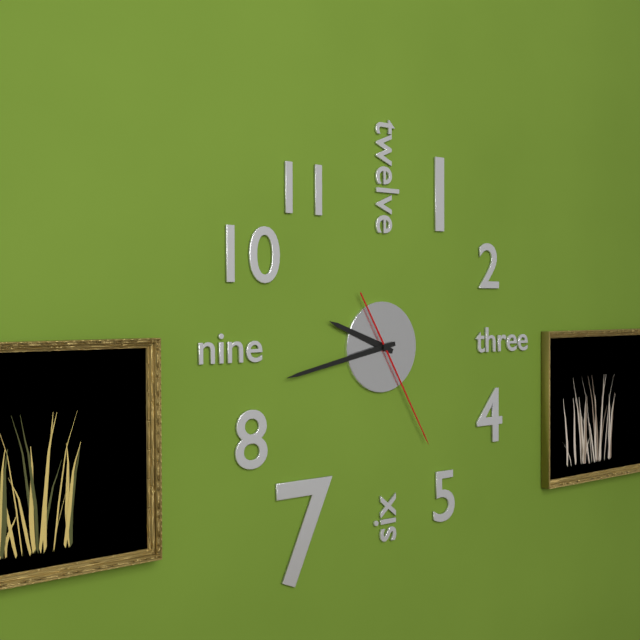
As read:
9.43.25
